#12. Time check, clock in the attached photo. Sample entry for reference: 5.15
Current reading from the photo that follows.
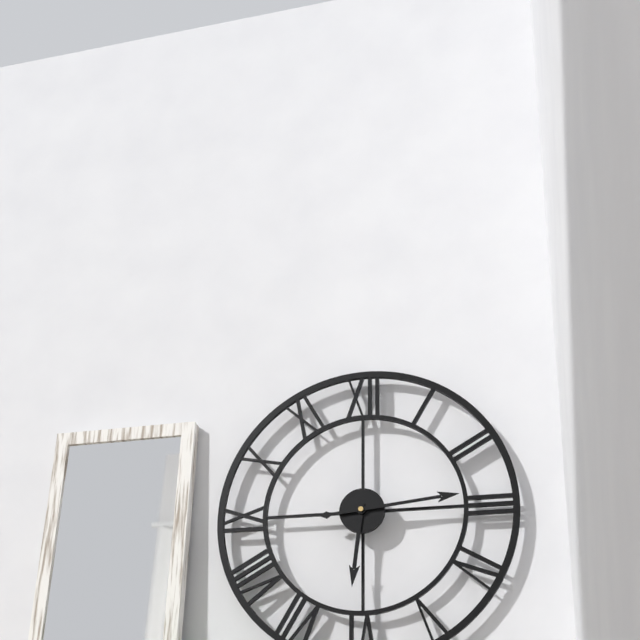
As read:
6.14
